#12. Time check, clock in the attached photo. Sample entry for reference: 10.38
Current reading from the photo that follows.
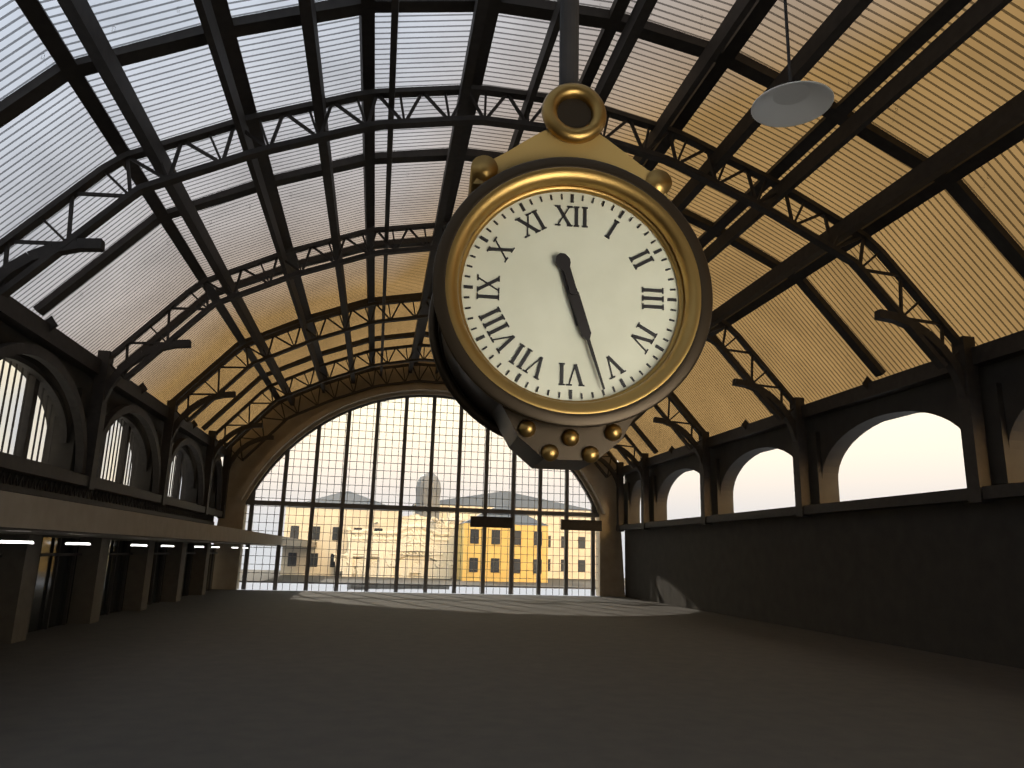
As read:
11.27
